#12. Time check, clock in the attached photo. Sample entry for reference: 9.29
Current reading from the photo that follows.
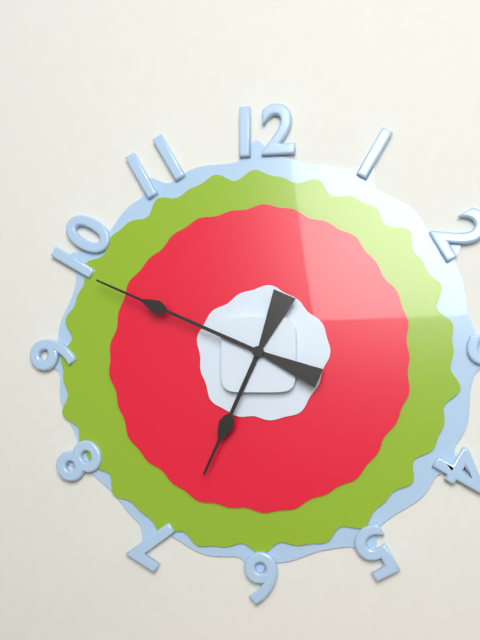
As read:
6.49
